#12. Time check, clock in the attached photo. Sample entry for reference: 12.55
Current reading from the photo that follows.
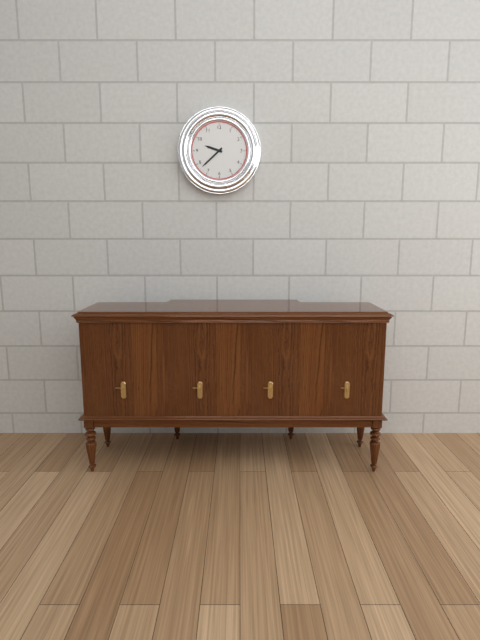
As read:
9.38
